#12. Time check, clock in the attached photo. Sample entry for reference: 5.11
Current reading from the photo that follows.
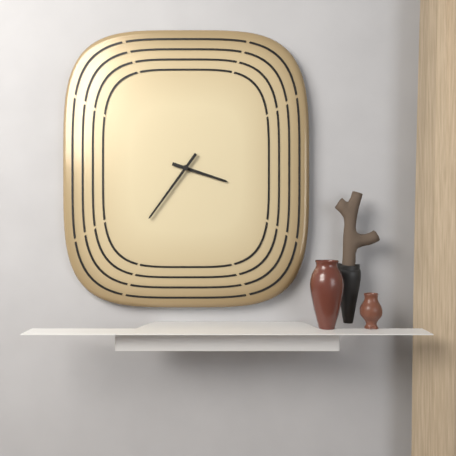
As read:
3.36
